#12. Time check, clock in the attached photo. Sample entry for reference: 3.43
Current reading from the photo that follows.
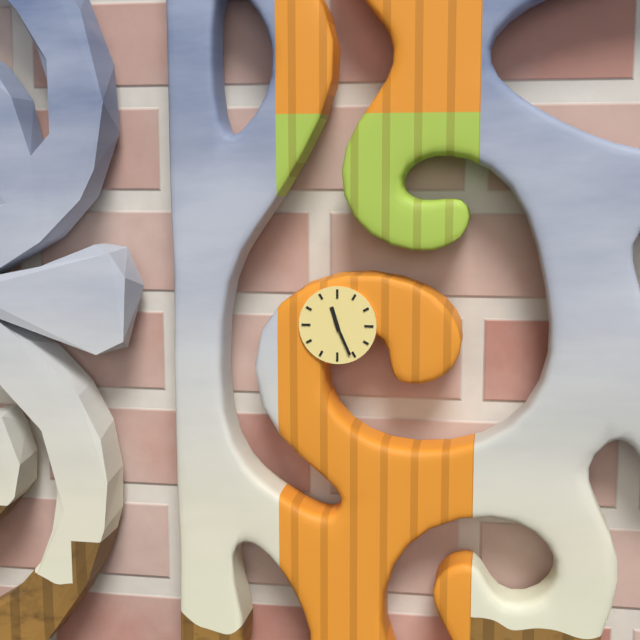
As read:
11.26
